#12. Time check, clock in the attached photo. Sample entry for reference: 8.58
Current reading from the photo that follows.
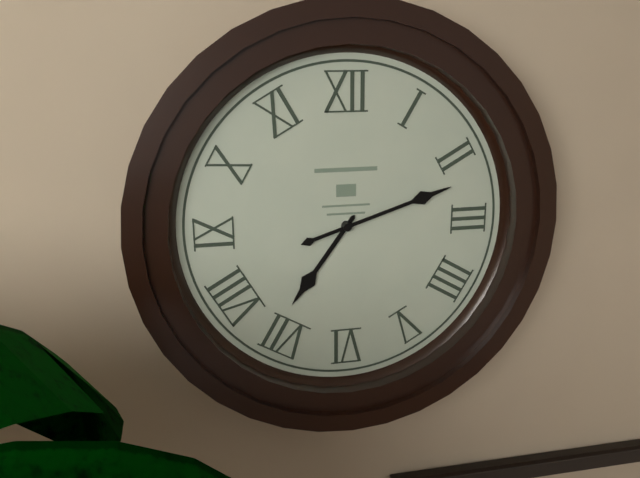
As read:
7.12
